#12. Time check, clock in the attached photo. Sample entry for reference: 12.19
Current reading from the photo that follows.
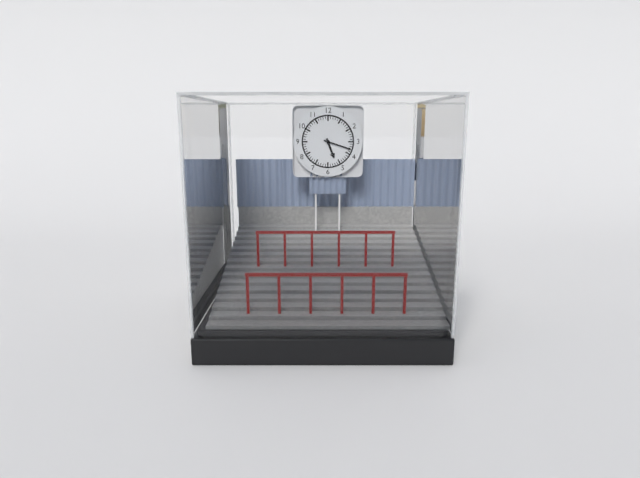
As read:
5.18
